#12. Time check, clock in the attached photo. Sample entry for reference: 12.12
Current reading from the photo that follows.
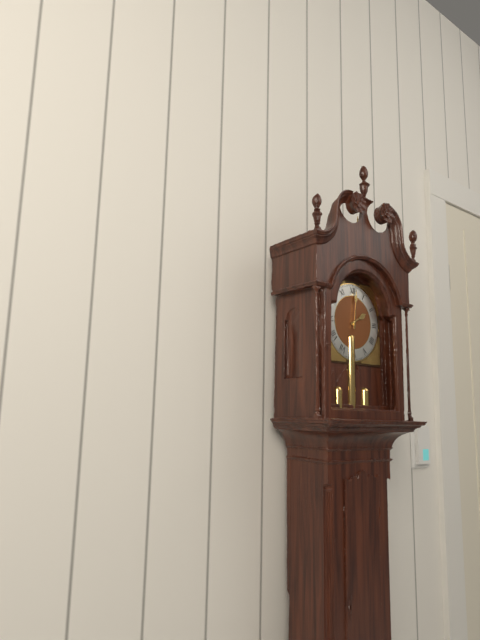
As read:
2.01
